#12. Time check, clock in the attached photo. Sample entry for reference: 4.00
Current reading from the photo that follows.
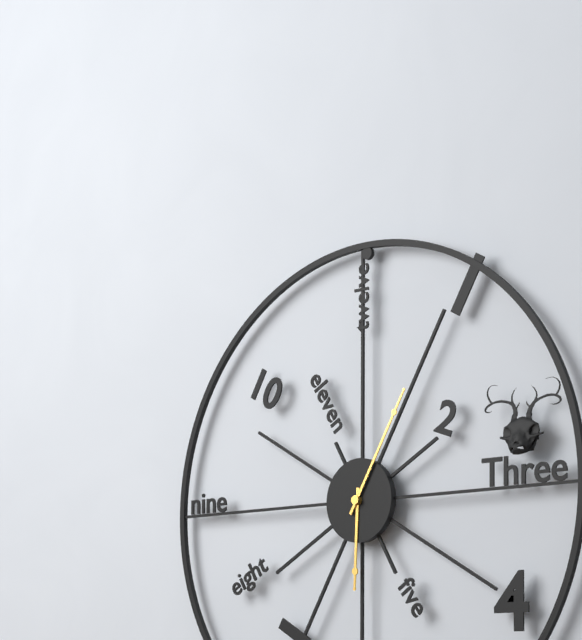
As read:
6.05
